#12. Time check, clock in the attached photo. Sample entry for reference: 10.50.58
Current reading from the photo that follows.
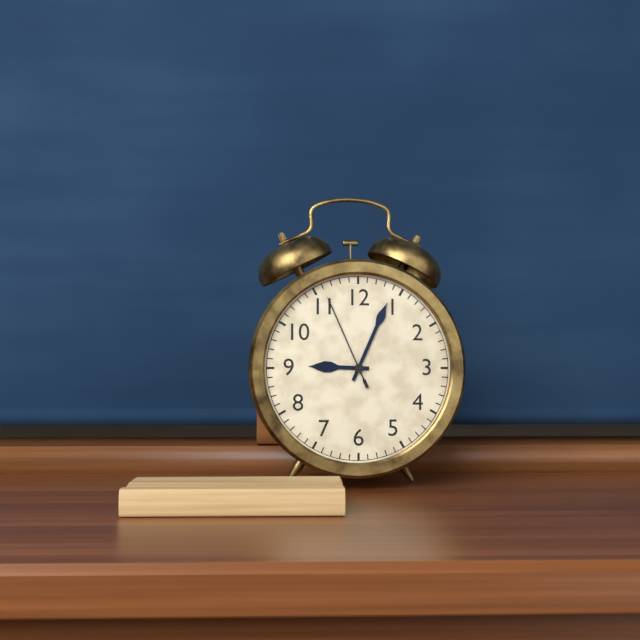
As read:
9.04.56
